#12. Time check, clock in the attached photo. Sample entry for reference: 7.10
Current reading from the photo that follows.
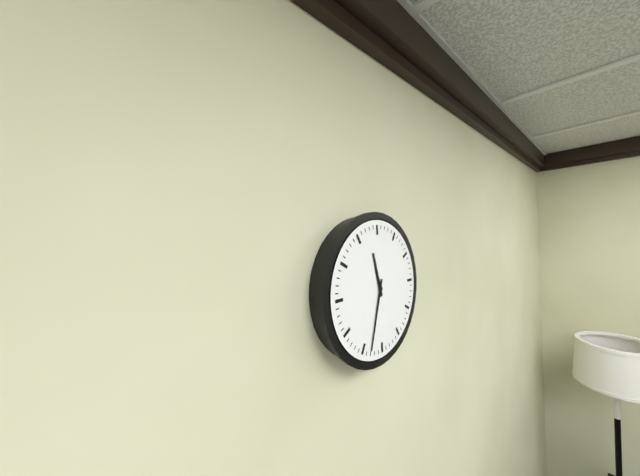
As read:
11.33
